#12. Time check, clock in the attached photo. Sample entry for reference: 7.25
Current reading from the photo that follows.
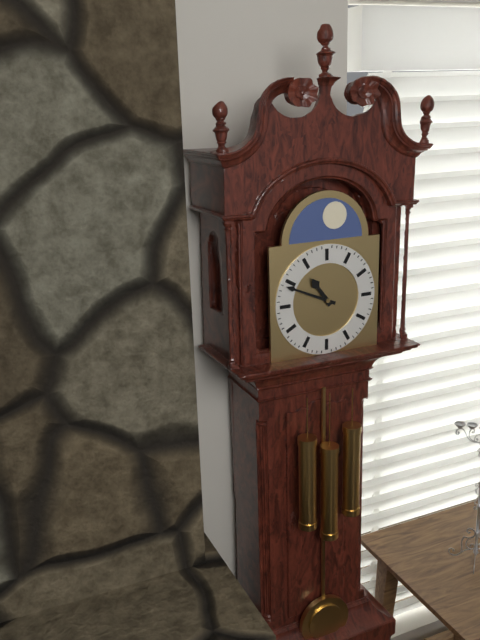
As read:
10.49
